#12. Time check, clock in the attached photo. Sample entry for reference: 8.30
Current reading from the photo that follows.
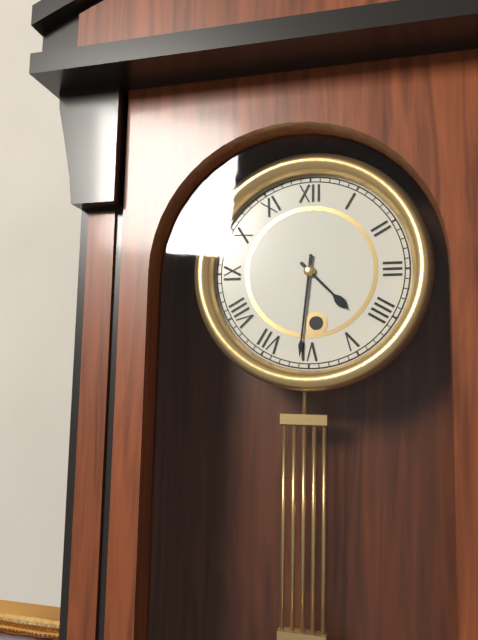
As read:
4.31
